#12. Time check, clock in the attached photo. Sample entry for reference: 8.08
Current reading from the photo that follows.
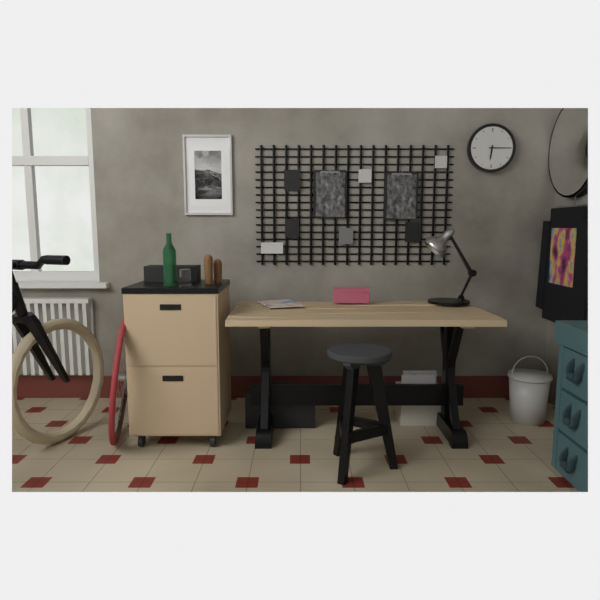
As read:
6.15
